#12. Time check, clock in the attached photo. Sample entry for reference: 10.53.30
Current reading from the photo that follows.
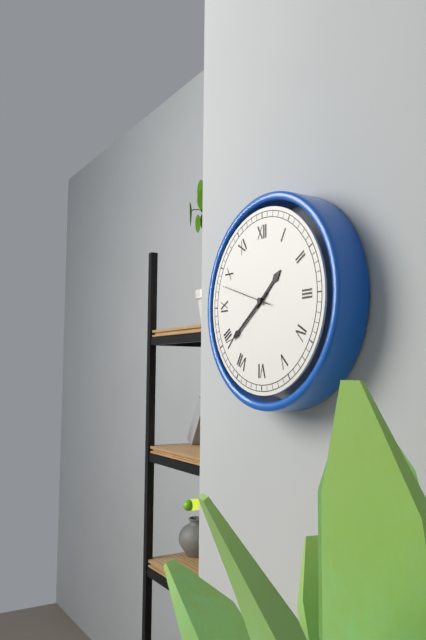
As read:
1.39.48
